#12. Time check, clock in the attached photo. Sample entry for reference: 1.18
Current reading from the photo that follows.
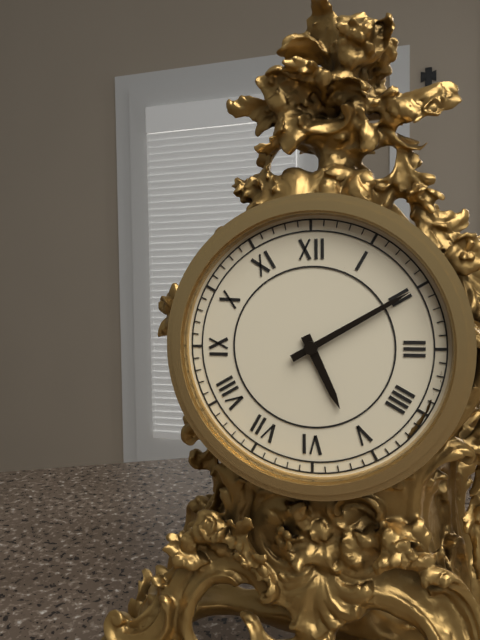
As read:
5.10
